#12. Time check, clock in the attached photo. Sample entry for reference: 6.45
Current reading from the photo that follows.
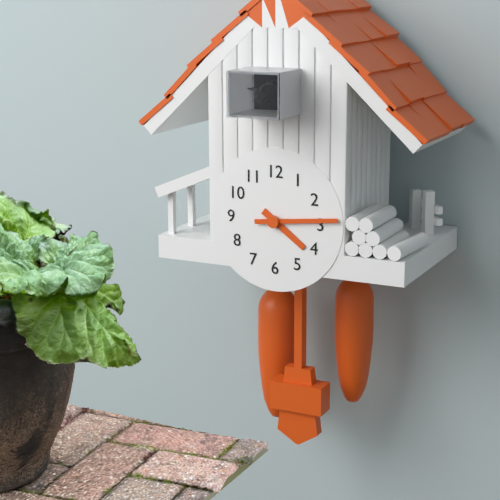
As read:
4.14
